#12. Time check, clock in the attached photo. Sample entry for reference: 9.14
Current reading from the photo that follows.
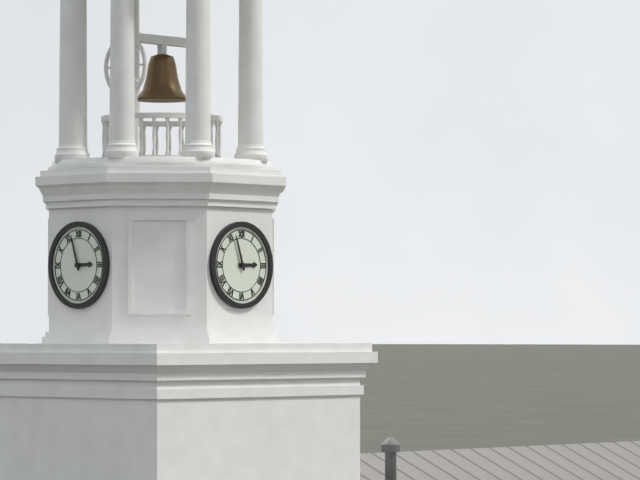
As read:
2.57
